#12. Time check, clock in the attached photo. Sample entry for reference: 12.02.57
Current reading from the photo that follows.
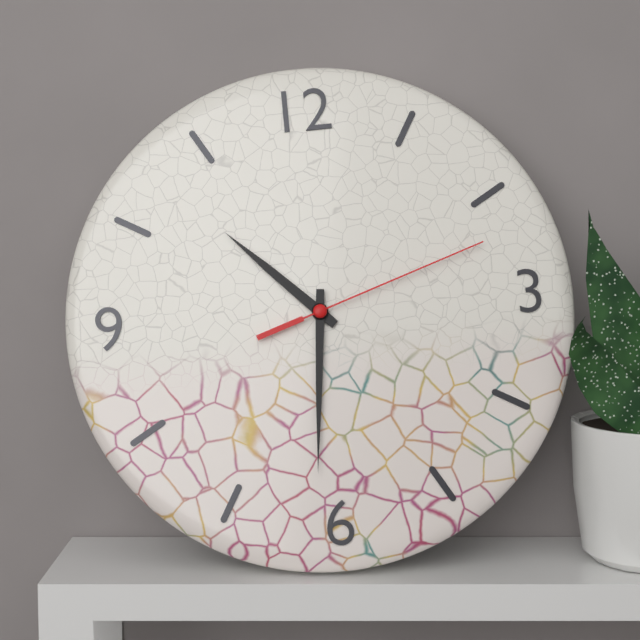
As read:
10.31.12
